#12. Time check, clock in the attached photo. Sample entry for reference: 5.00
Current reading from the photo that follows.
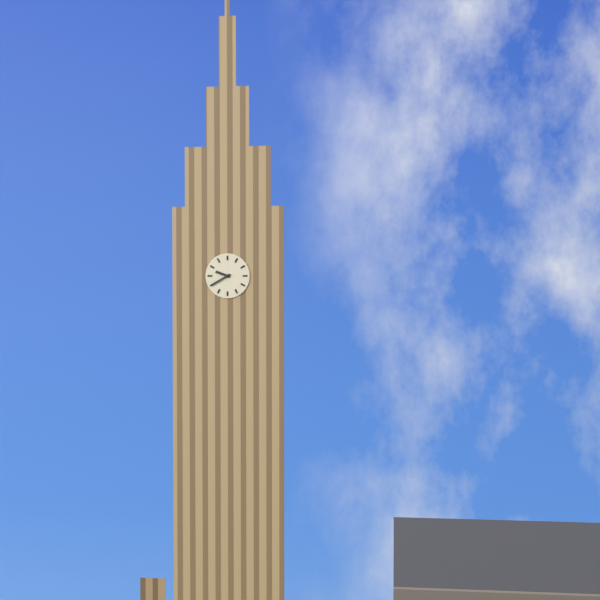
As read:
9.40
